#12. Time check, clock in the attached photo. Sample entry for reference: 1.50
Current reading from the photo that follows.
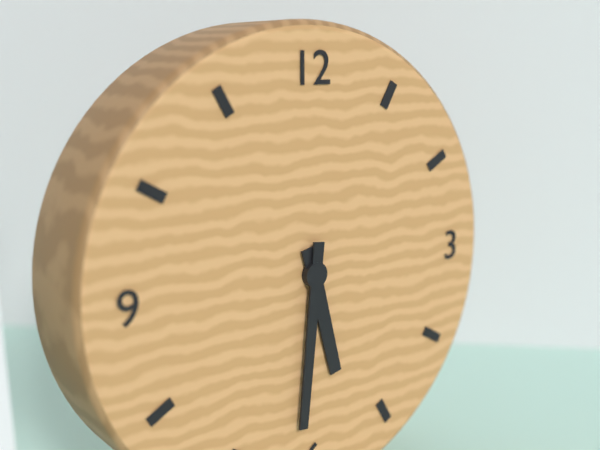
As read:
5.31
